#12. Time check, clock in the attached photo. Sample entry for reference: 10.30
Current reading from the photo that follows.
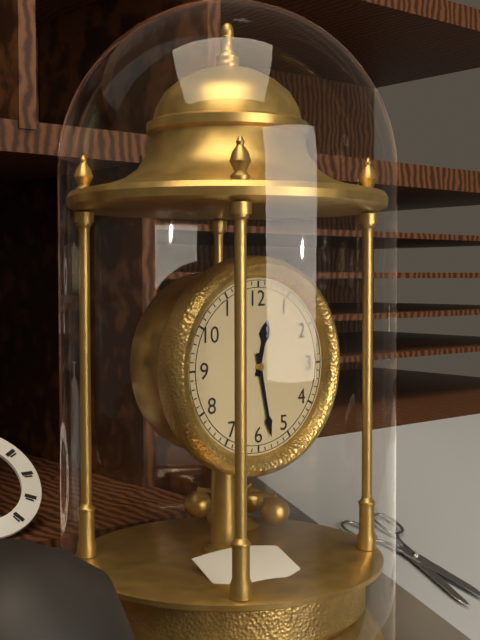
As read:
12.28
